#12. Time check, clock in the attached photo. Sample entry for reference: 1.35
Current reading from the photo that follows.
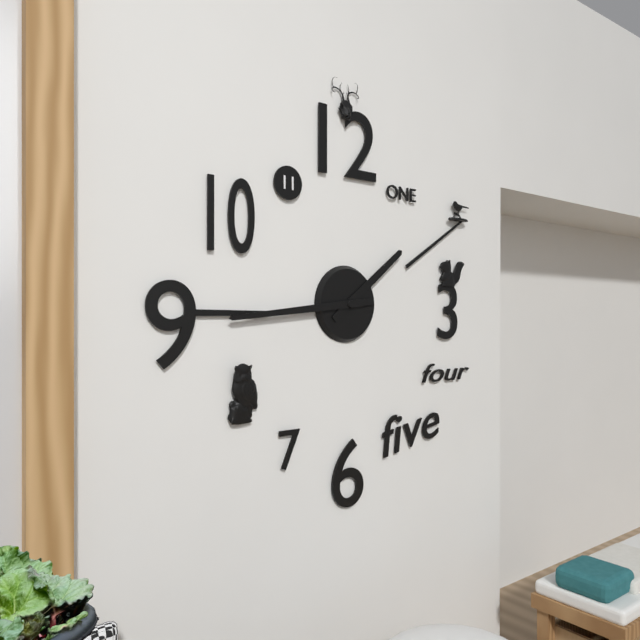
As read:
1.44
